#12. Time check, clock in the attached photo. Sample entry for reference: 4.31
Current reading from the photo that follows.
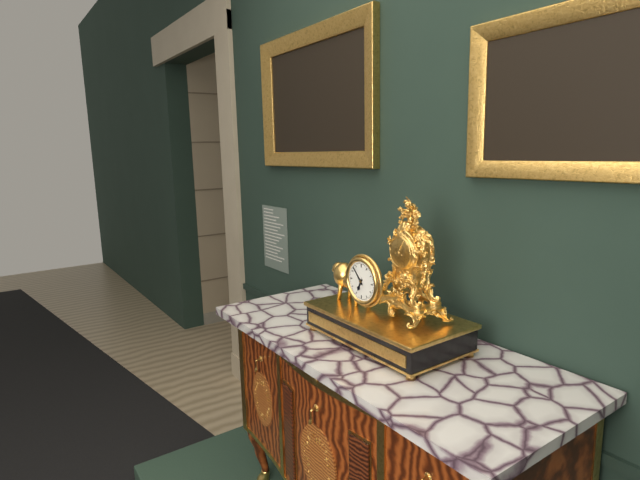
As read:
6.53
